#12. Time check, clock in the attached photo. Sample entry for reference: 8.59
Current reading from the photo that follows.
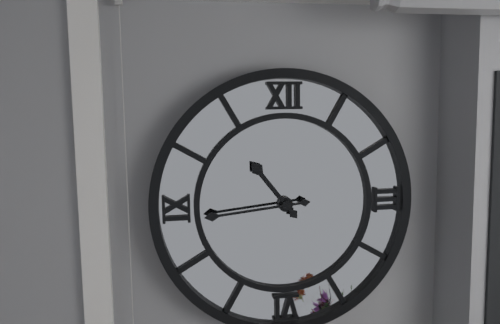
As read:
10.44
